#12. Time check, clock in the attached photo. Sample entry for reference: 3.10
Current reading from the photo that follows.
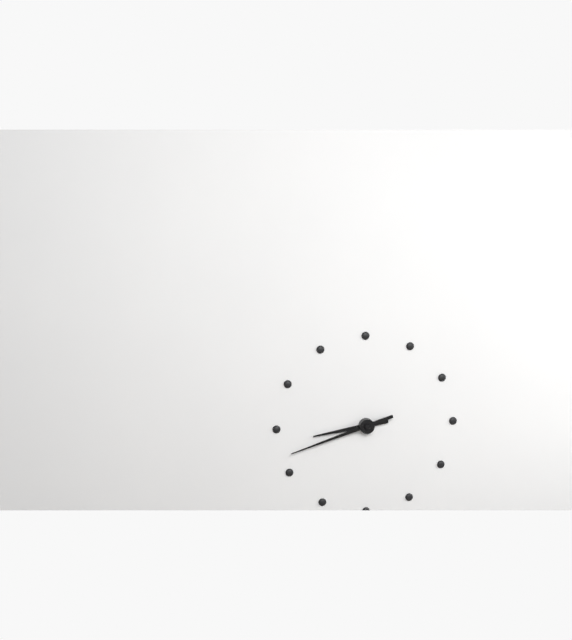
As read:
8.42
